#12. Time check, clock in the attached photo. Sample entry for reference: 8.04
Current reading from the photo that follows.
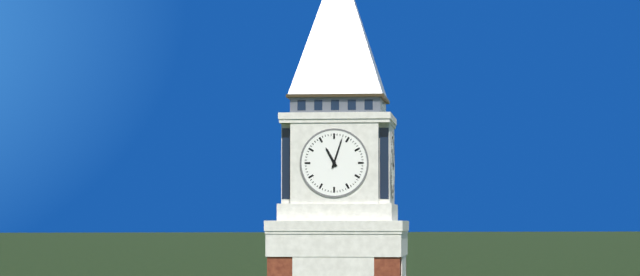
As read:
11.03
